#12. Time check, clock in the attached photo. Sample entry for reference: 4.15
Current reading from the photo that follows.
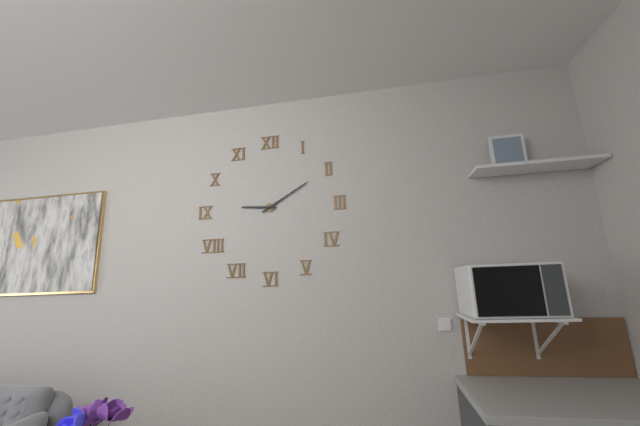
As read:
9.10
